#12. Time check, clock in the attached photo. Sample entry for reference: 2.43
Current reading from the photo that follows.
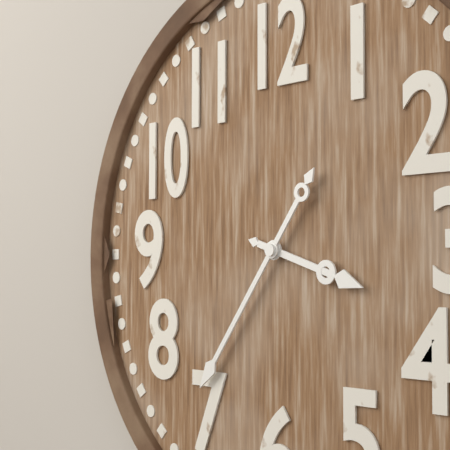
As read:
3.36
